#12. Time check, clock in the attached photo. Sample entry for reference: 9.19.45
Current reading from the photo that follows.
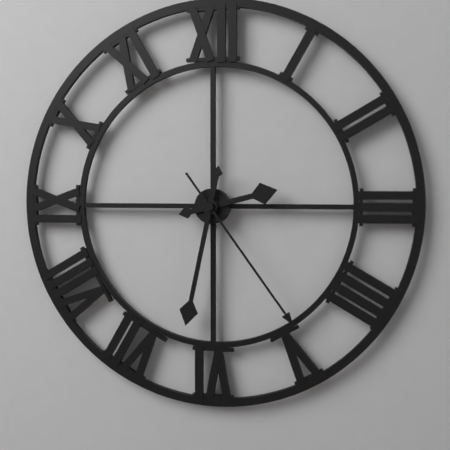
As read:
2.32.24
